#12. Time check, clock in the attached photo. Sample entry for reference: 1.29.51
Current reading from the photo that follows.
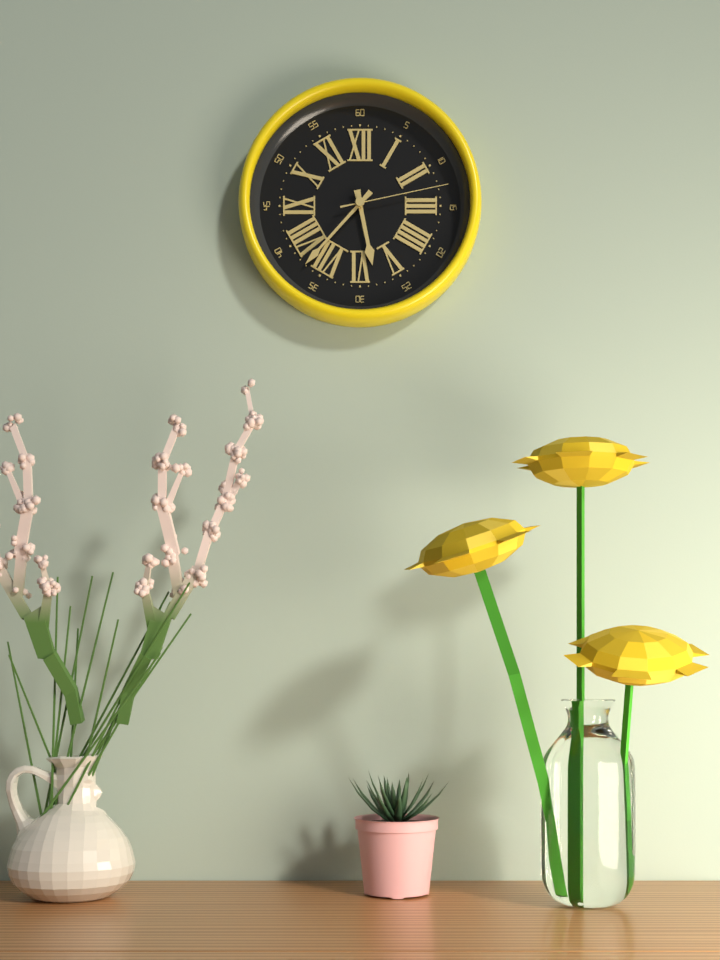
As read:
5.37.13
